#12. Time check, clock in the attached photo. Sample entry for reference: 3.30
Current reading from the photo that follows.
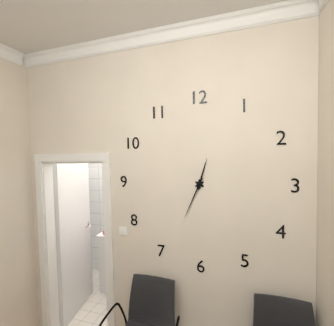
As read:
12.34
